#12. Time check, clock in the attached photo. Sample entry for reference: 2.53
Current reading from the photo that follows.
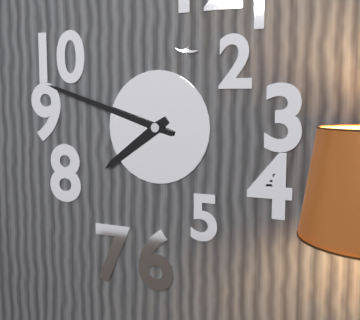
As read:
7.48
